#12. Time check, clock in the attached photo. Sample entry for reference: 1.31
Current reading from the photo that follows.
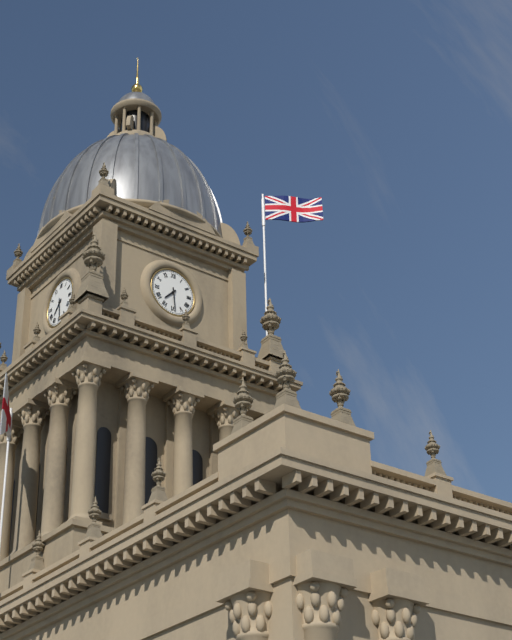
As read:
7.29
